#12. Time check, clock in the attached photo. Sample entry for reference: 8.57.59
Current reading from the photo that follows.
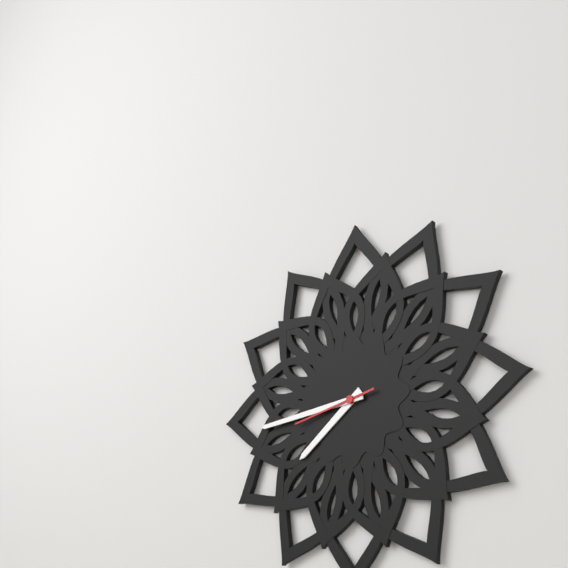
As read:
7.44.43
